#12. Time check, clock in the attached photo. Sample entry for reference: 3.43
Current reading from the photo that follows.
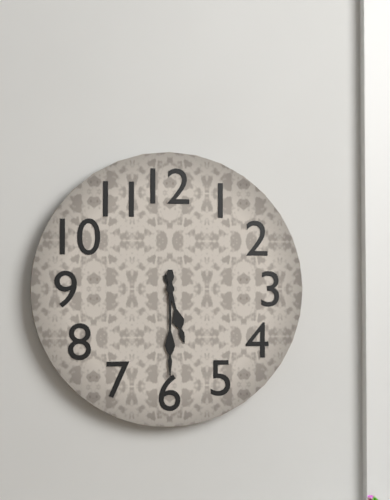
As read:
5.30
